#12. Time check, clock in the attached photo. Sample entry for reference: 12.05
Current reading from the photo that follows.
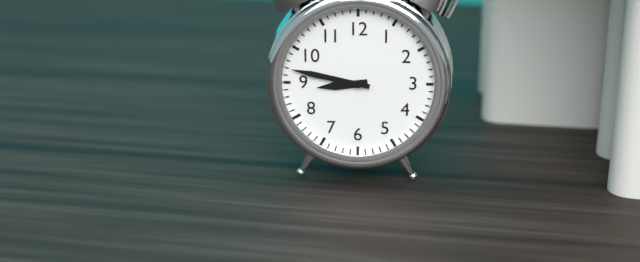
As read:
8.47
